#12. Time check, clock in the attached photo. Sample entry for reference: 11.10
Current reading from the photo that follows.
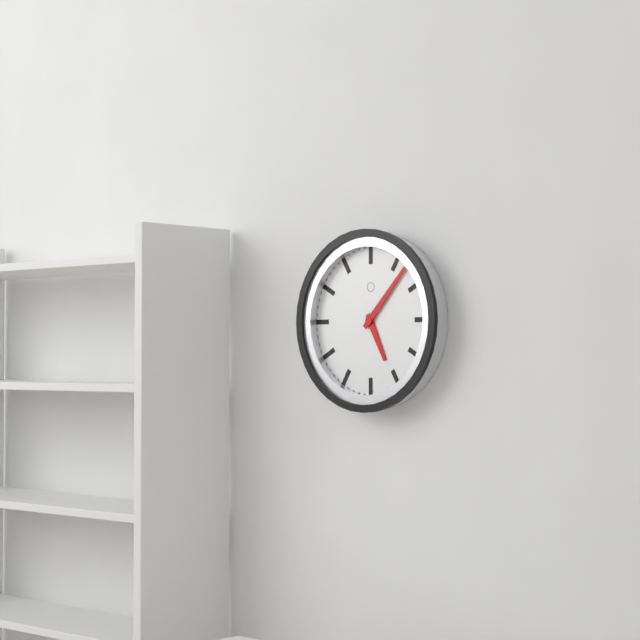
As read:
5.07
